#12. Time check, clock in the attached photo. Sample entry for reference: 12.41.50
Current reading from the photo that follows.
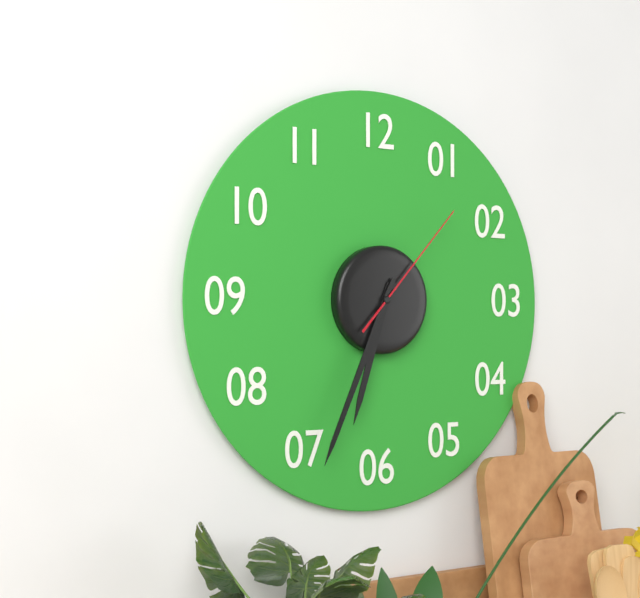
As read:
6.34.07
